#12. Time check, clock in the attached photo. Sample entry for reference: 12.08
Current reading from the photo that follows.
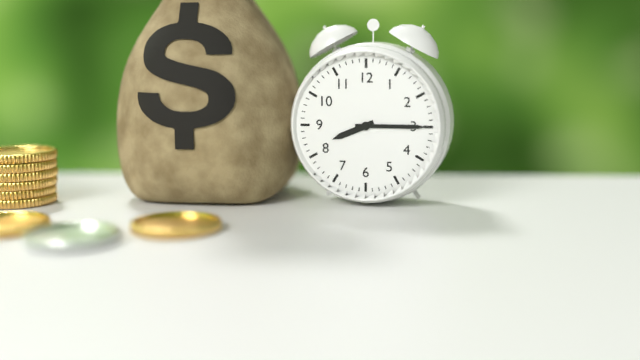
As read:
8.15
